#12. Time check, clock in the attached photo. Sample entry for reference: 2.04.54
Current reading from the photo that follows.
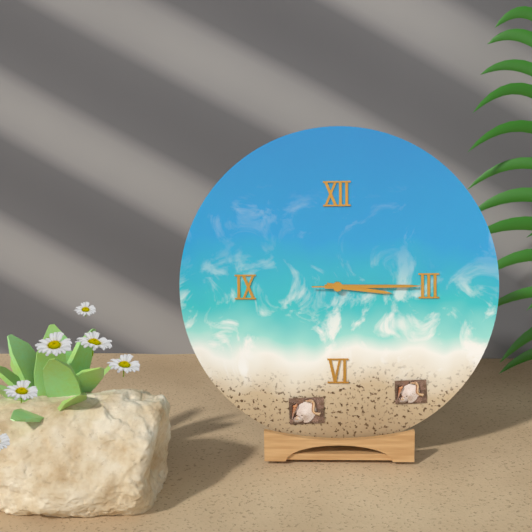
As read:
3.15.15
